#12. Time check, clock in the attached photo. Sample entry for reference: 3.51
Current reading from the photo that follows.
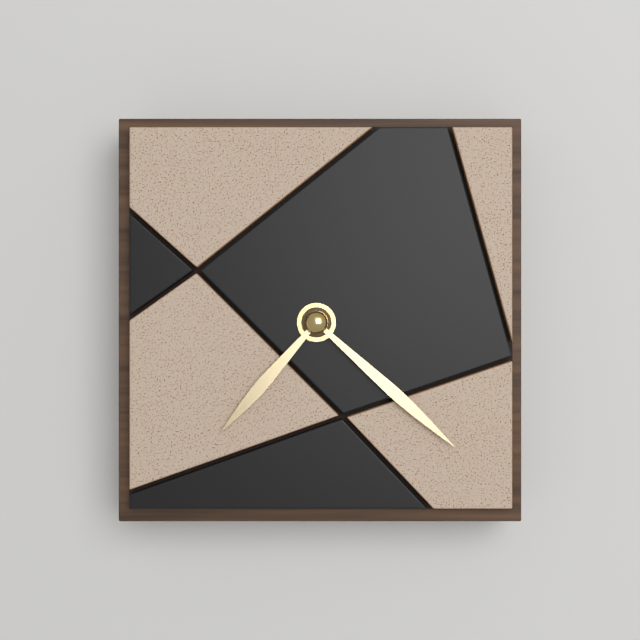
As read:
7.22
